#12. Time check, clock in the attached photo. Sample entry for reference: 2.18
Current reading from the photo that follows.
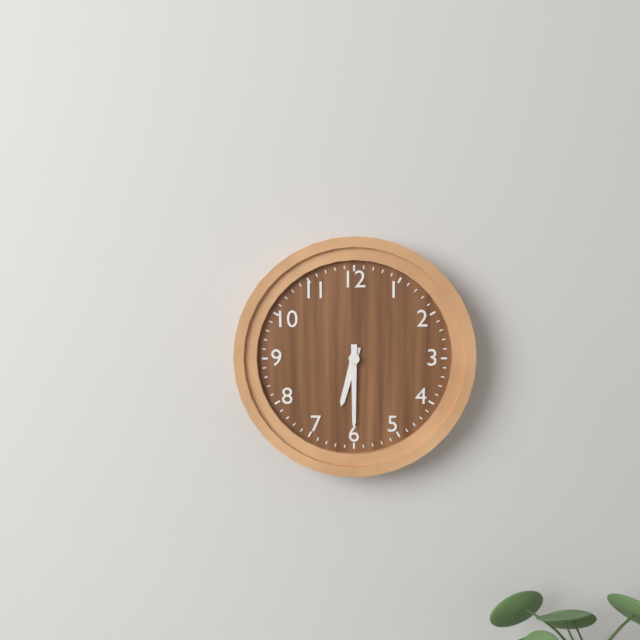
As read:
6.30
